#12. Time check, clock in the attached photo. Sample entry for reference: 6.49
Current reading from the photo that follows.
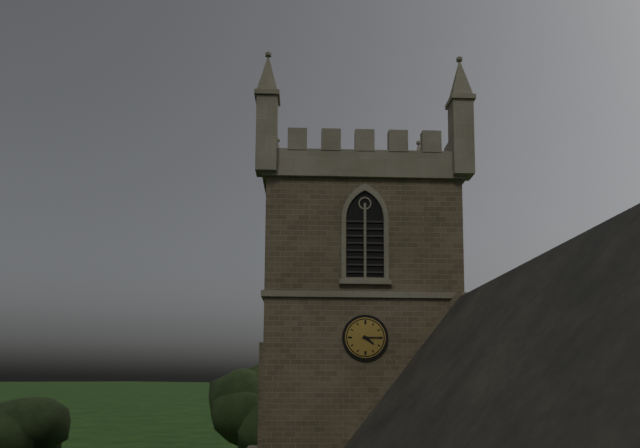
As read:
4.15
